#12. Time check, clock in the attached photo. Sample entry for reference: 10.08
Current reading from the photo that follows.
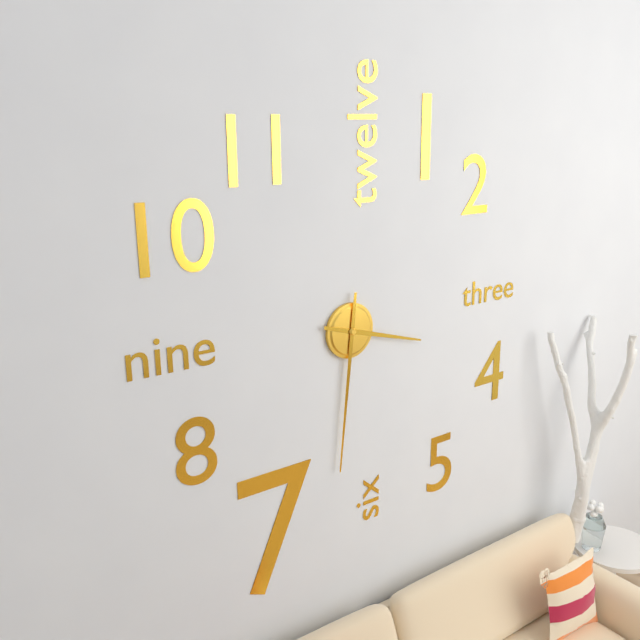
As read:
3.31
